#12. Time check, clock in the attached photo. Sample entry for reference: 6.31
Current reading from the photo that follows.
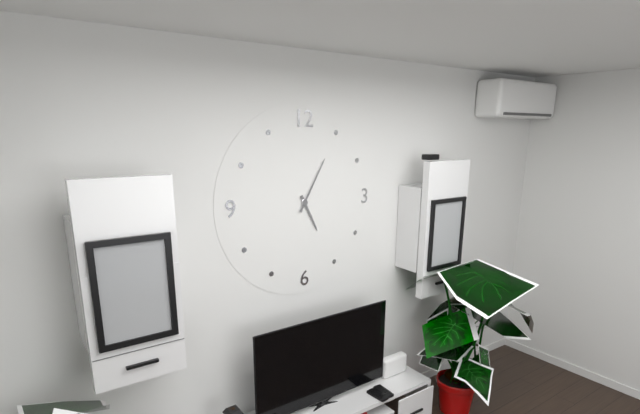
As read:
5.05
